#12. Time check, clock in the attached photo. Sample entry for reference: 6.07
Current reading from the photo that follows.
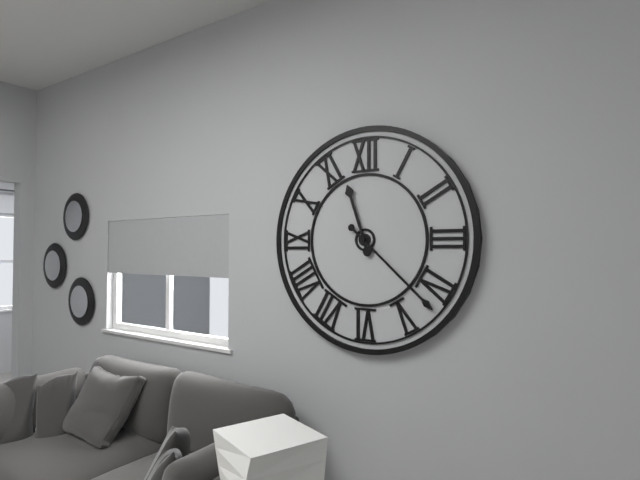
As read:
11.22
